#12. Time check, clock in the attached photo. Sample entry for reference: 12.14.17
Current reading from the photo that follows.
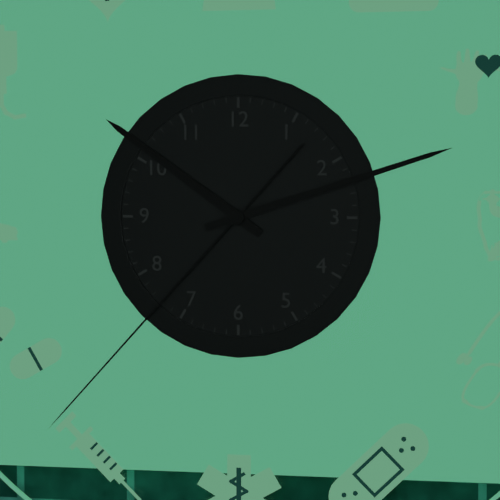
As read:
10.12.37
